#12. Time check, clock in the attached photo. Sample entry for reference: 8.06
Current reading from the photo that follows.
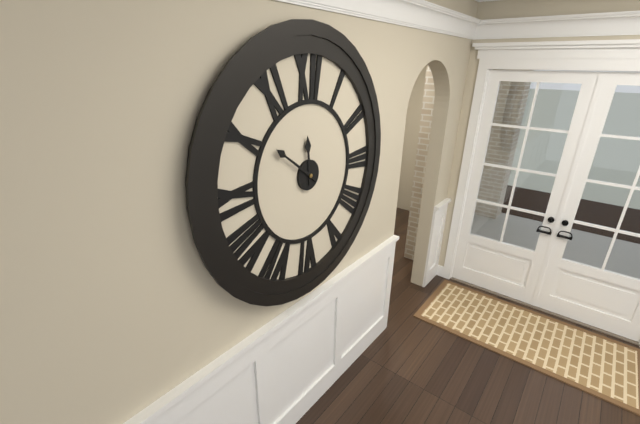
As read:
11.51
